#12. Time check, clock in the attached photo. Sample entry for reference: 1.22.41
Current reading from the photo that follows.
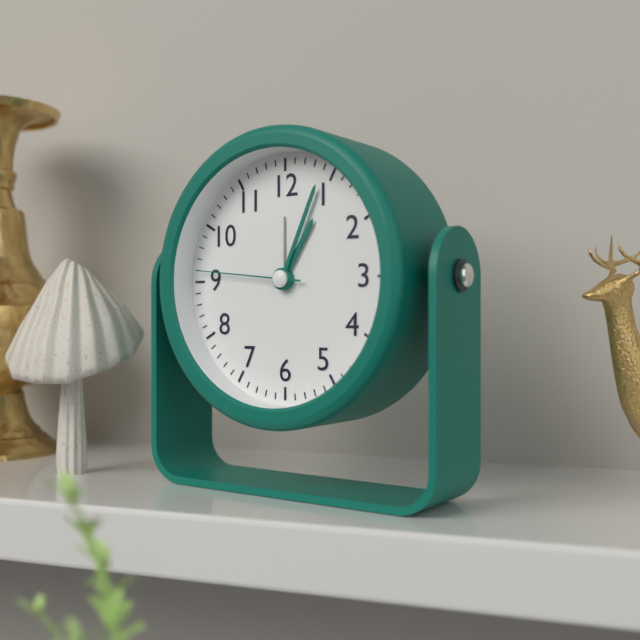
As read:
1.04.46
